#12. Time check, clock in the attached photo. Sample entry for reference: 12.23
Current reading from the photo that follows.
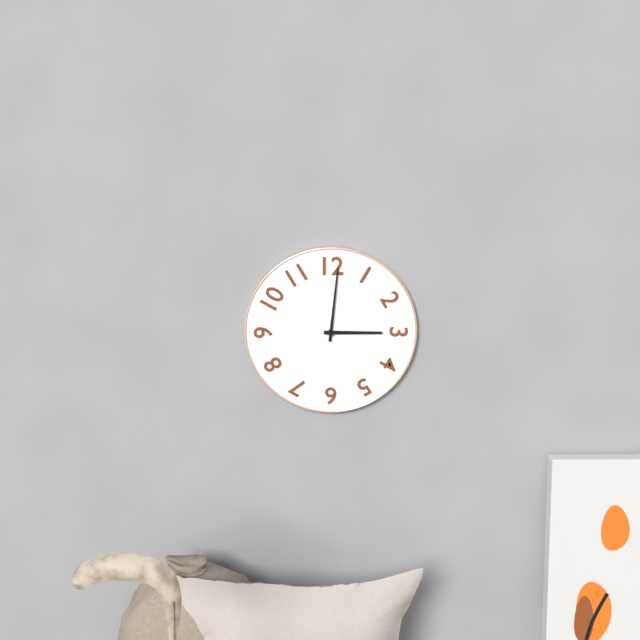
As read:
3.01
